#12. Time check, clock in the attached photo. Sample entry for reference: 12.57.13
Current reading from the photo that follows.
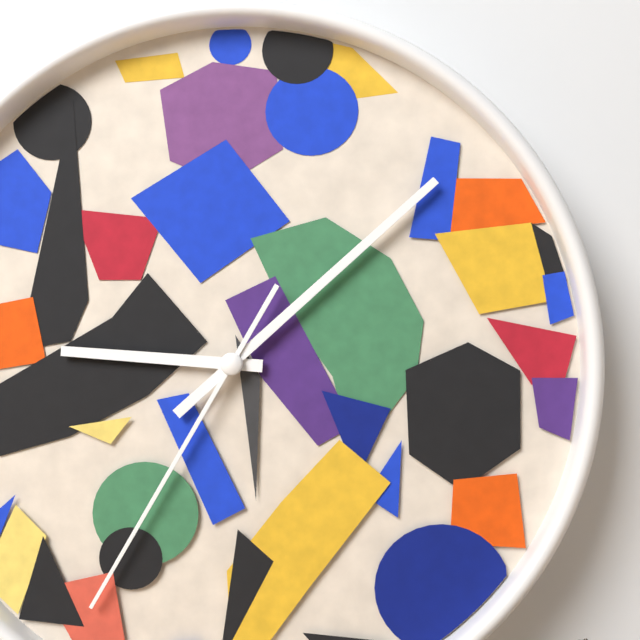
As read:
9.08.35
